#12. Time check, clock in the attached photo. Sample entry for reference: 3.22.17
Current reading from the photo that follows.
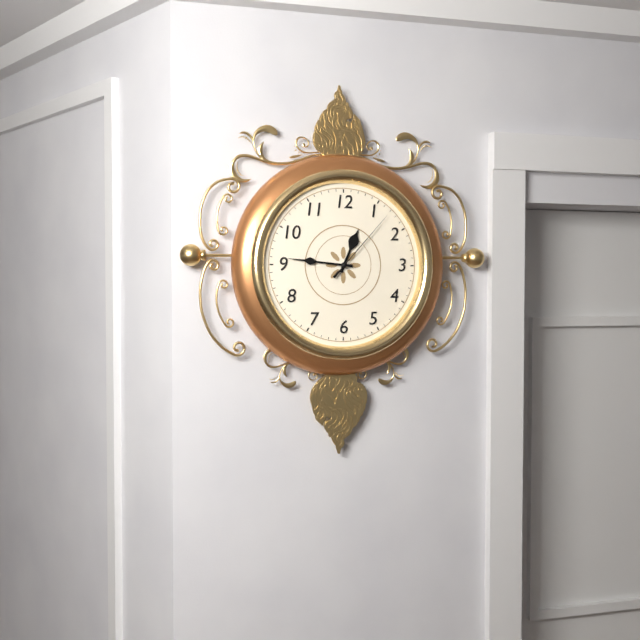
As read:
12.46.07
